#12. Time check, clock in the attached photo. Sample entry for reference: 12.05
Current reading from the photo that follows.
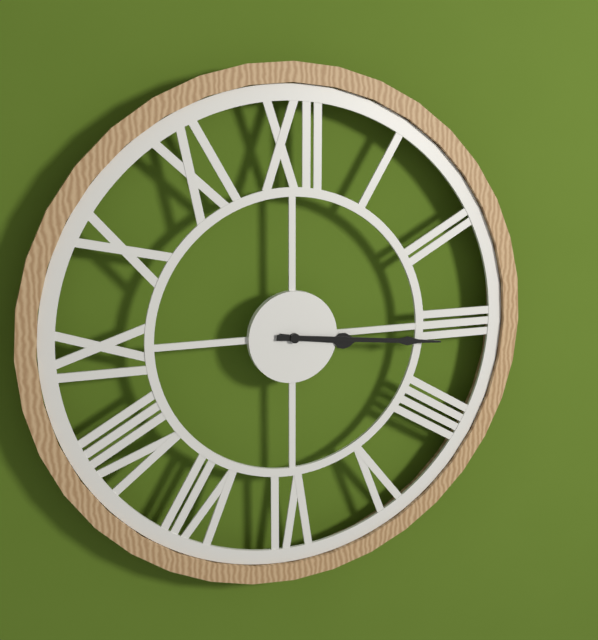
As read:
3.16
